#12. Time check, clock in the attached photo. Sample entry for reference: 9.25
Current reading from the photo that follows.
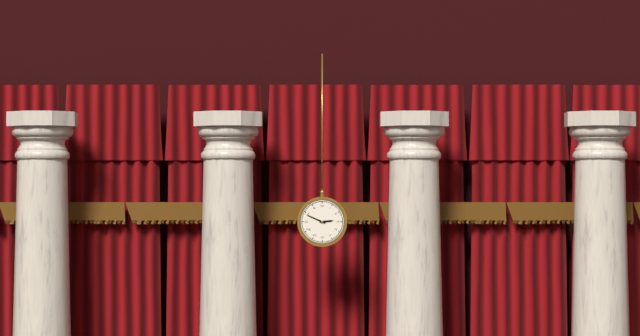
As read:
2.49
